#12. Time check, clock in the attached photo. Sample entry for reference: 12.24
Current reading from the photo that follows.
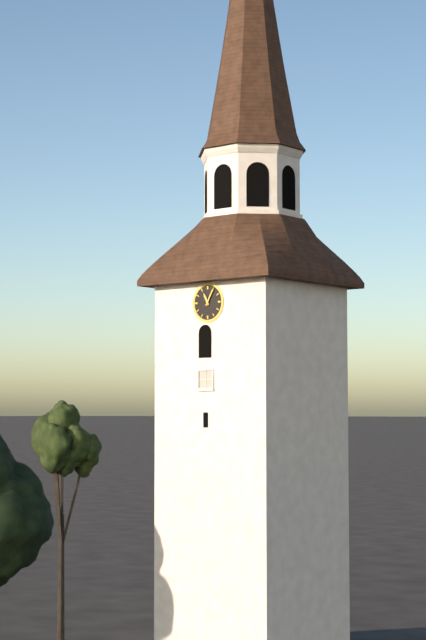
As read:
11.05
